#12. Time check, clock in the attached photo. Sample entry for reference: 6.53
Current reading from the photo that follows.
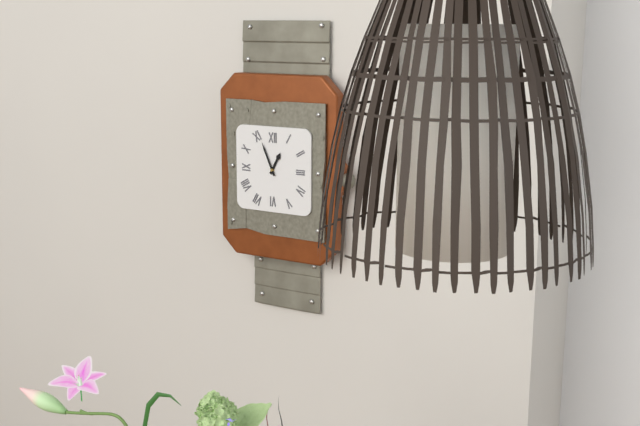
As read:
12.56
